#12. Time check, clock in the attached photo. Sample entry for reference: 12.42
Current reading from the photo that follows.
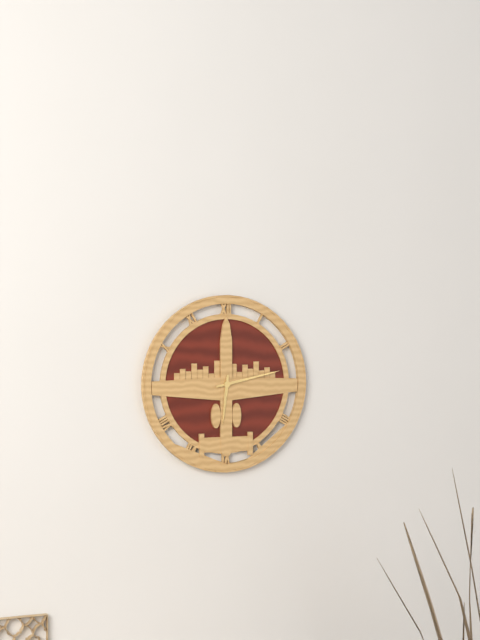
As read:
6.13
